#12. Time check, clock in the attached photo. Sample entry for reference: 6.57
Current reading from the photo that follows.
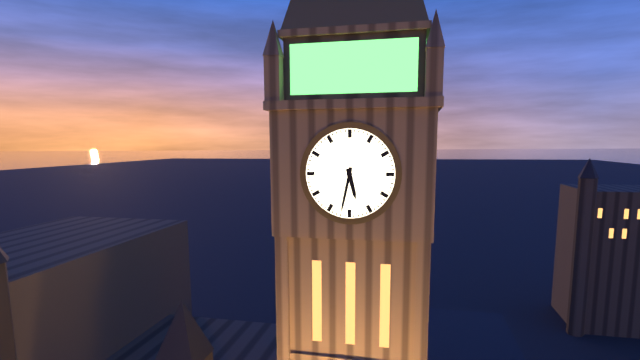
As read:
5.32
